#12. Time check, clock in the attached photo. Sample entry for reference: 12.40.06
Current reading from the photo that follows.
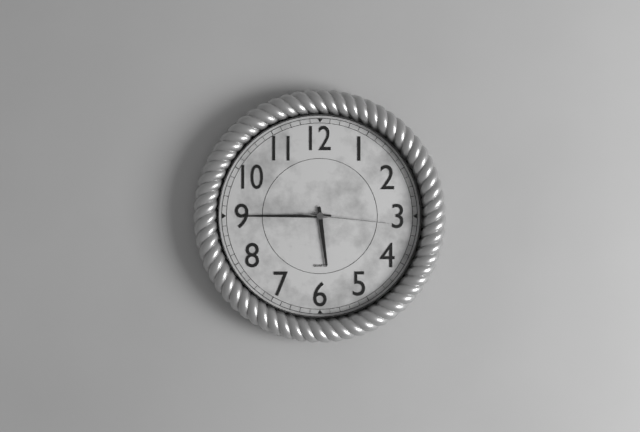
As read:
5.45.16
